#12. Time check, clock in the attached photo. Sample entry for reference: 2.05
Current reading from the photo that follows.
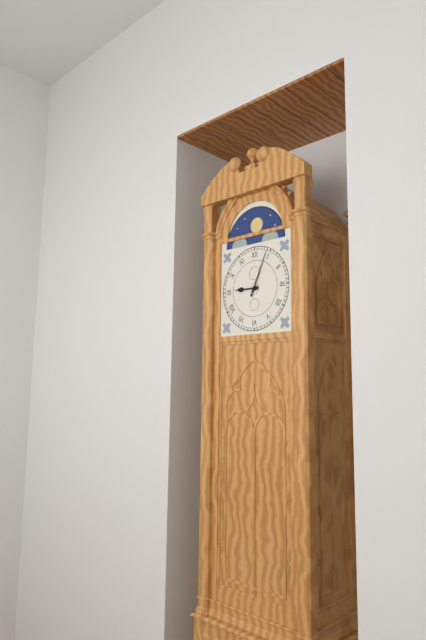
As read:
9.04
